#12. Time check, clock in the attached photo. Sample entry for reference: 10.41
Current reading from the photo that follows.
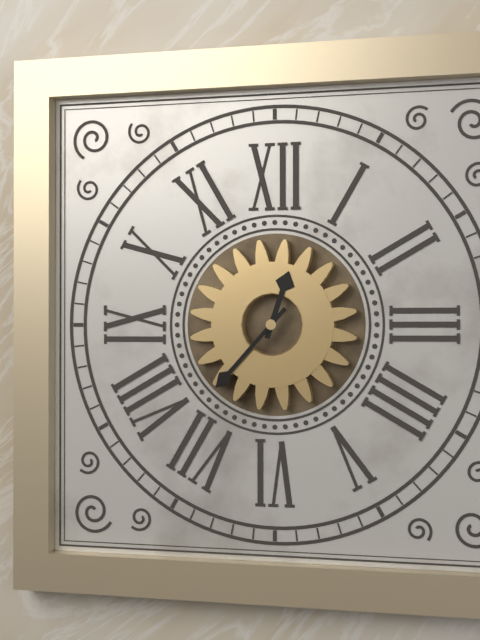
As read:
12.37
